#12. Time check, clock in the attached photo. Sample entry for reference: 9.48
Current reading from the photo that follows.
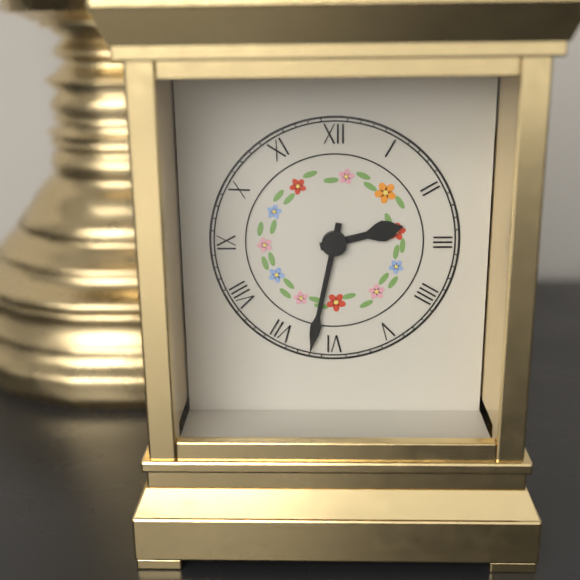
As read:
2.32
